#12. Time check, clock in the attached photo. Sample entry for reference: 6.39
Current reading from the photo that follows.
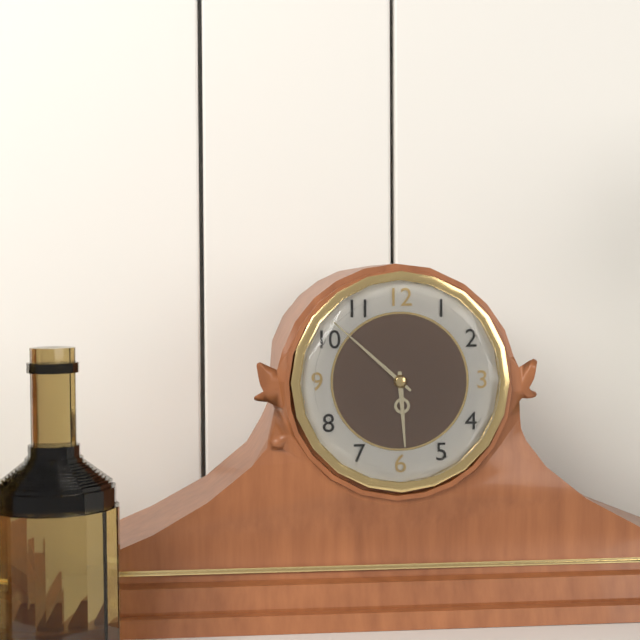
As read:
5.52
